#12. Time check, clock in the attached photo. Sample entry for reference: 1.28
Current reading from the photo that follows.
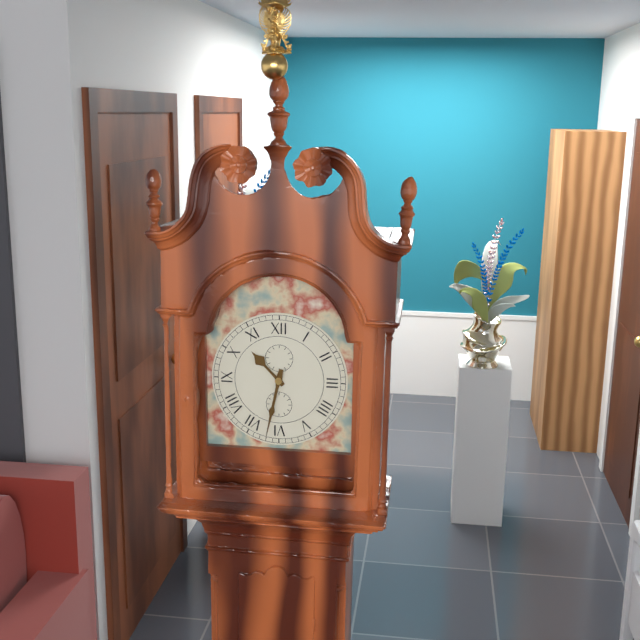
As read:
10.32
